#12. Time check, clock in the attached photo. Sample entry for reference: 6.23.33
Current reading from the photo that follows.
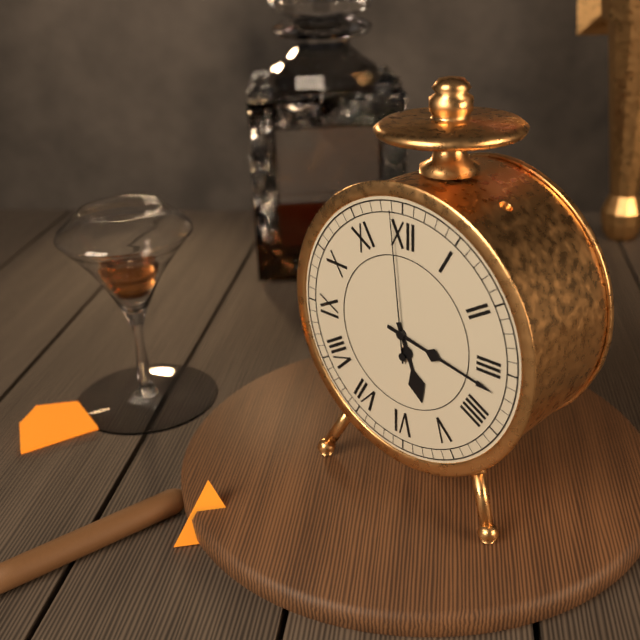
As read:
5.17.59
